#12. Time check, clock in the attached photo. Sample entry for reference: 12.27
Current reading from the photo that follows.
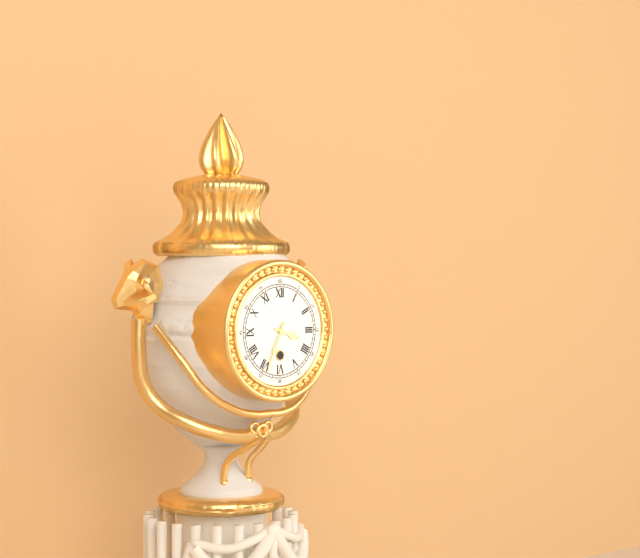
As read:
3.34
